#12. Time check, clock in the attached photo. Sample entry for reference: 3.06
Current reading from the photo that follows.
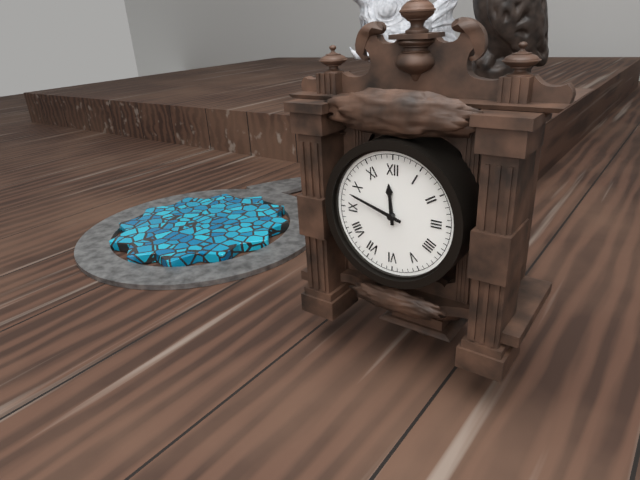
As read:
11.48
